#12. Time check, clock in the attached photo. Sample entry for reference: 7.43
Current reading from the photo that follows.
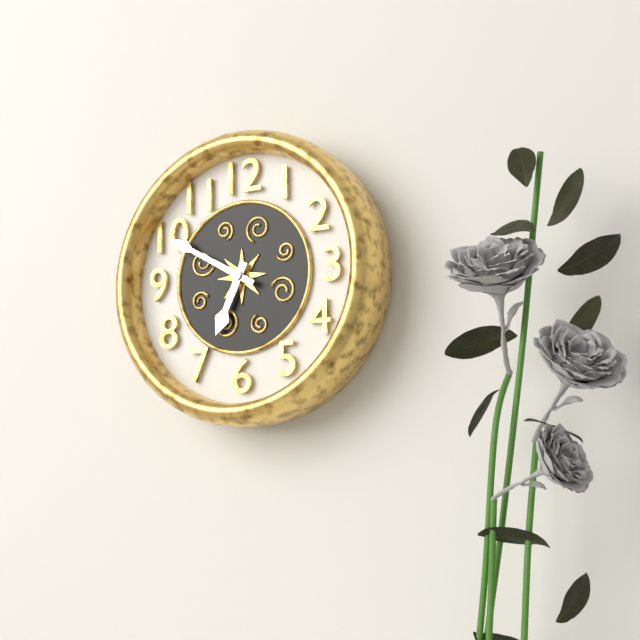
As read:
6.50
